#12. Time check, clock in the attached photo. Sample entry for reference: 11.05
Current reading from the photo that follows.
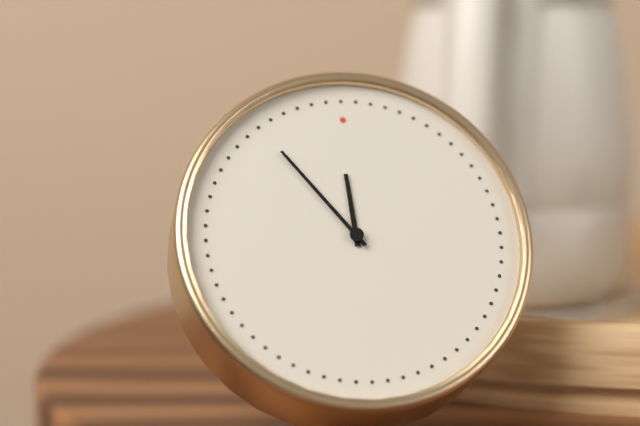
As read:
11.54
